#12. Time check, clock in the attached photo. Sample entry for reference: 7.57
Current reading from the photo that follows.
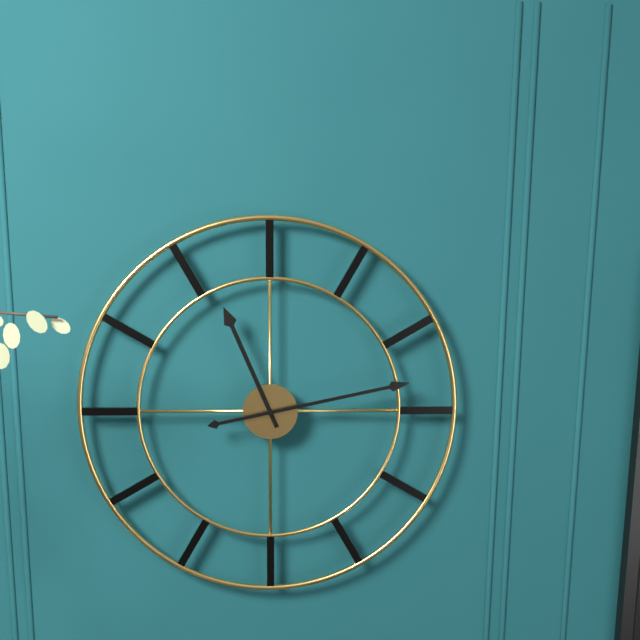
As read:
11.13
